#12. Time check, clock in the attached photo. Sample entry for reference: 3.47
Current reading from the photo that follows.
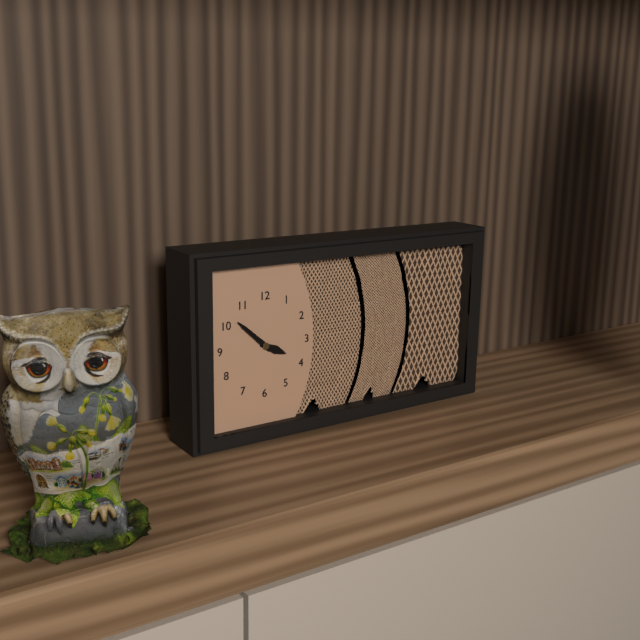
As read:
3.52
